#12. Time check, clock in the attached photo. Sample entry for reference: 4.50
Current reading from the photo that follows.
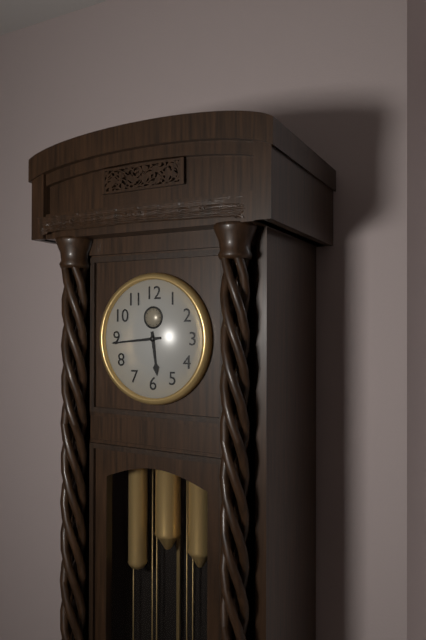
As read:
5.44
